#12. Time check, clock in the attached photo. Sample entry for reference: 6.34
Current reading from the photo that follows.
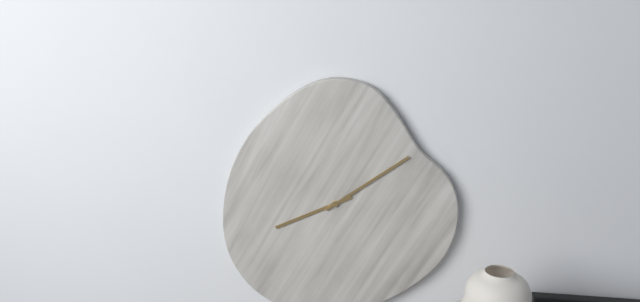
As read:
8.09
